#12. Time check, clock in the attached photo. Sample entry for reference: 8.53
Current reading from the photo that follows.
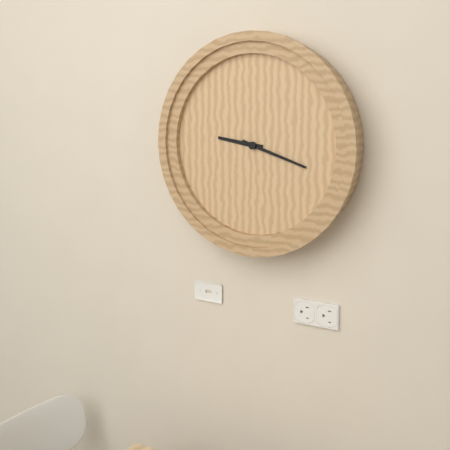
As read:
9.18
